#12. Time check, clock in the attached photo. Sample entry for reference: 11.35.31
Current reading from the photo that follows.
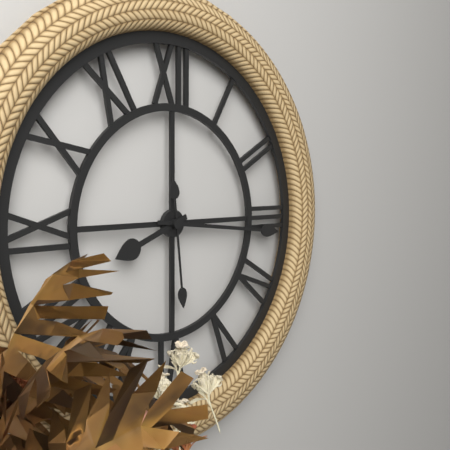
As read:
8.16.29
